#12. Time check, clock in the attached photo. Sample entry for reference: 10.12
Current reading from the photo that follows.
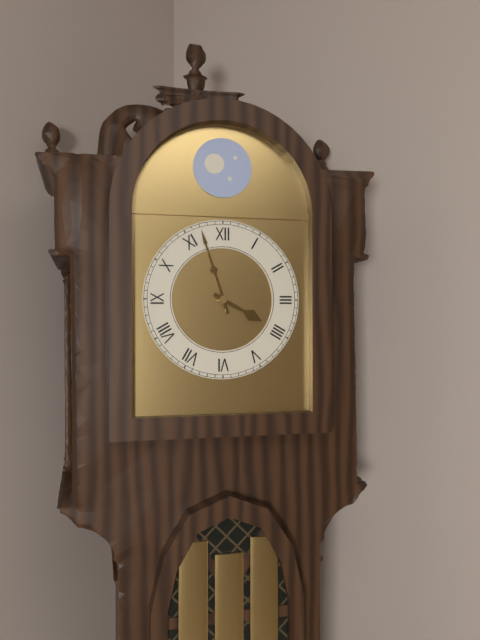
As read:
3.57
